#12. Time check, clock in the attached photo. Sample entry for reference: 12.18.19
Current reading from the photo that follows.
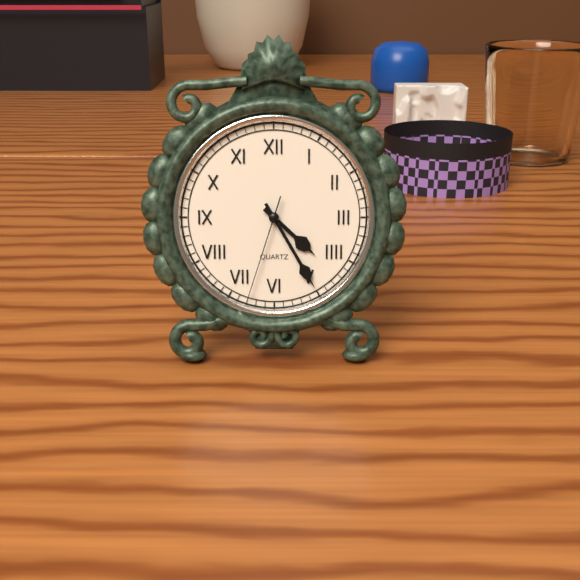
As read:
4.25.33
